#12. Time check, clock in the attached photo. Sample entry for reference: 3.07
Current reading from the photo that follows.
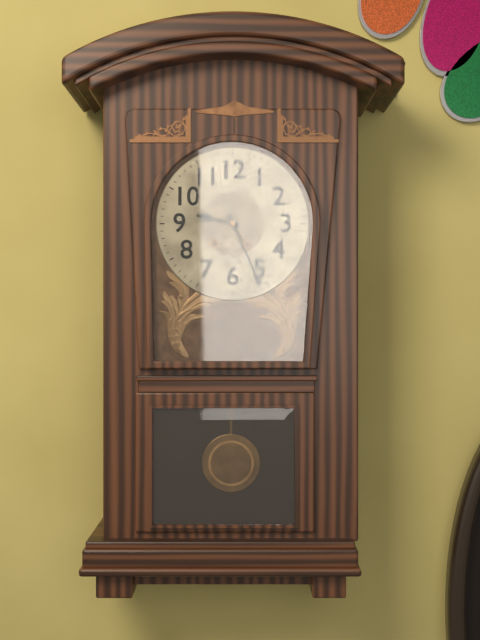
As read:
9.26
